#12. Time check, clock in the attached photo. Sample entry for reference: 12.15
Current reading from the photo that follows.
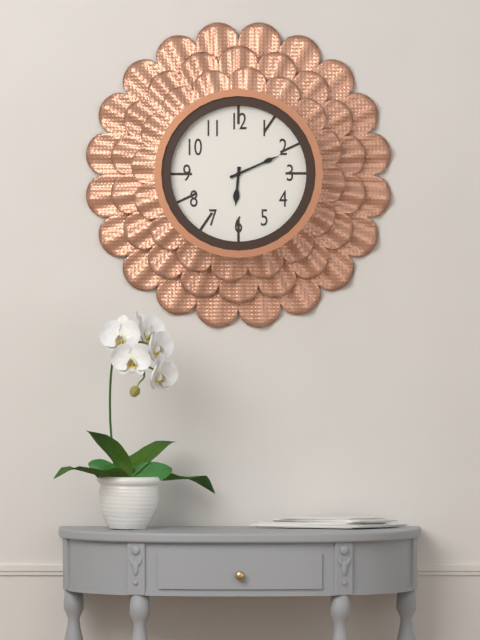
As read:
6.11
